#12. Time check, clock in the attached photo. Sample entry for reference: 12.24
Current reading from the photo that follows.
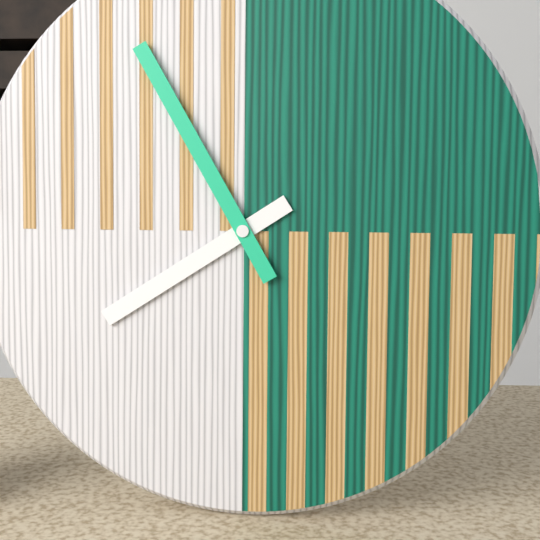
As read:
7.55
